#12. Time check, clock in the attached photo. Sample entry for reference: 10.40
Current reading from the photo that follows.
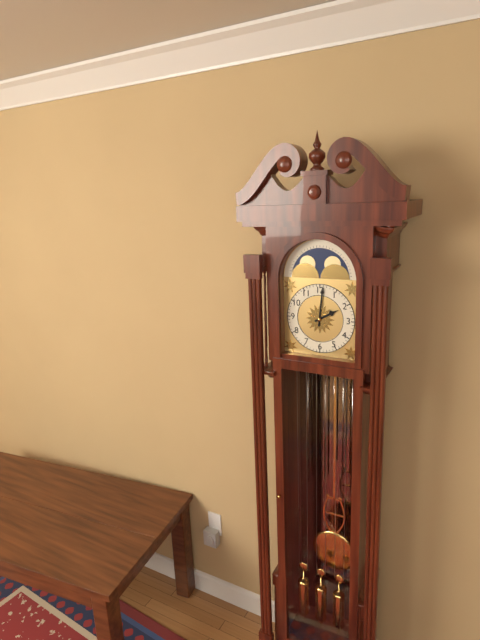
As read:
2.01
